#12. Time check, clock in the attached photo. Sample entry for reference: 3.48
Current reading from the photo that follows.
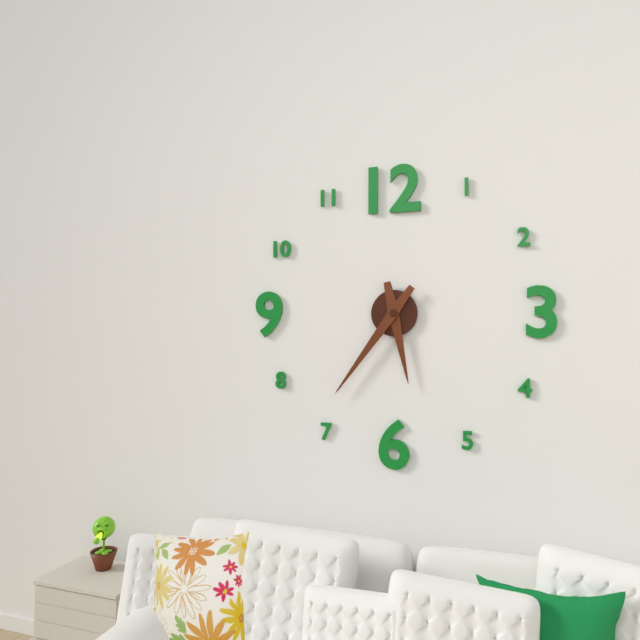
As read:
5.36
